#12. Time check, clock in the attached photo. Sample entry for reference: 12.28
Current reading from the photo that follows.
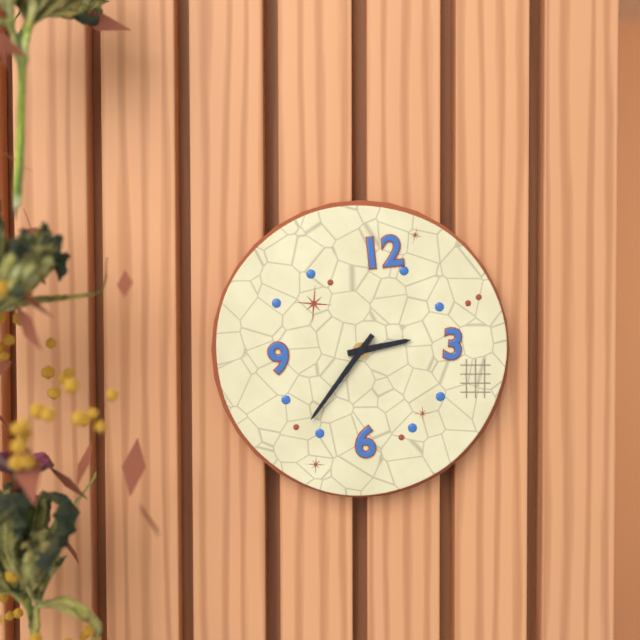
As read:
2.36
